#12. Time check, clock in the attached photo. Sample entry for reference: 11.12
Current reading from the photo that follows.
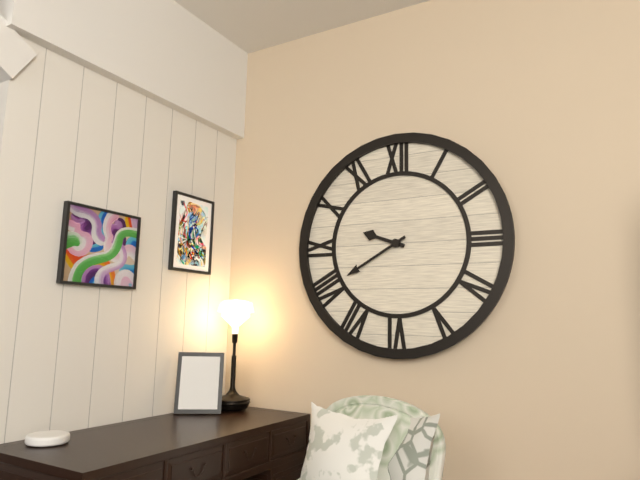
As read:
9.40
